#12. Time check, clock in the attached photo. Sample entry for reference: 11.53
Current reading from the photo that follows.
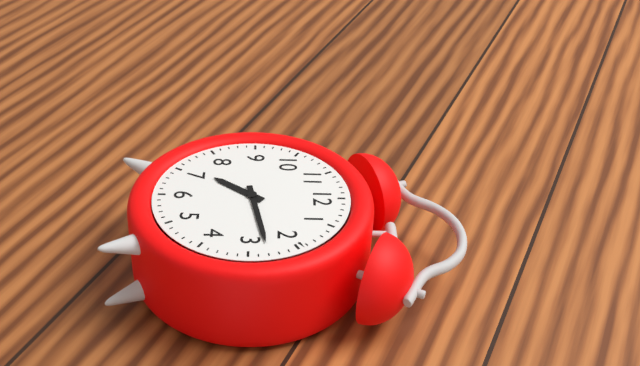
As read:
7.13
